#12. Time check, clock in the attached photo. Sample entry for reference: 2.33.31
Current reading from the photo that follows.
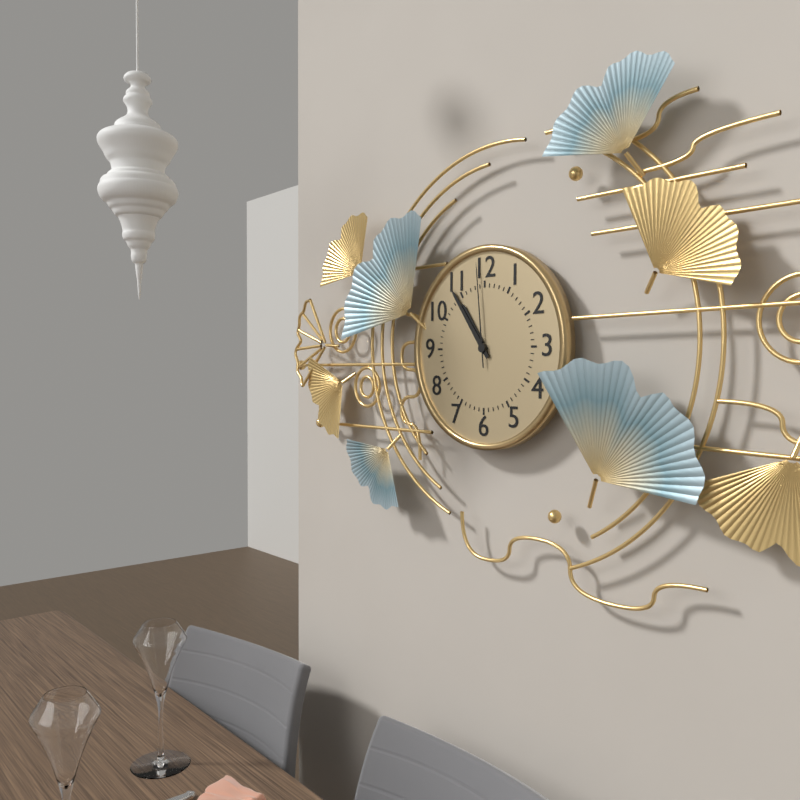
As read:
10.54.59
